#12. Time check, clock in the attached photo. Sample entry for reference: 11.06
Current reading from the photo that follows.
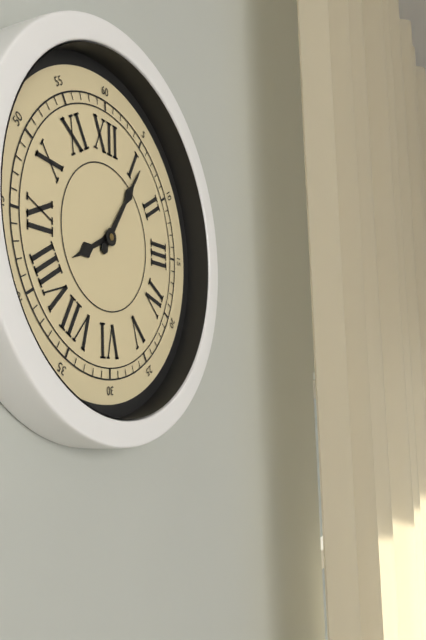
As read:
8.06
